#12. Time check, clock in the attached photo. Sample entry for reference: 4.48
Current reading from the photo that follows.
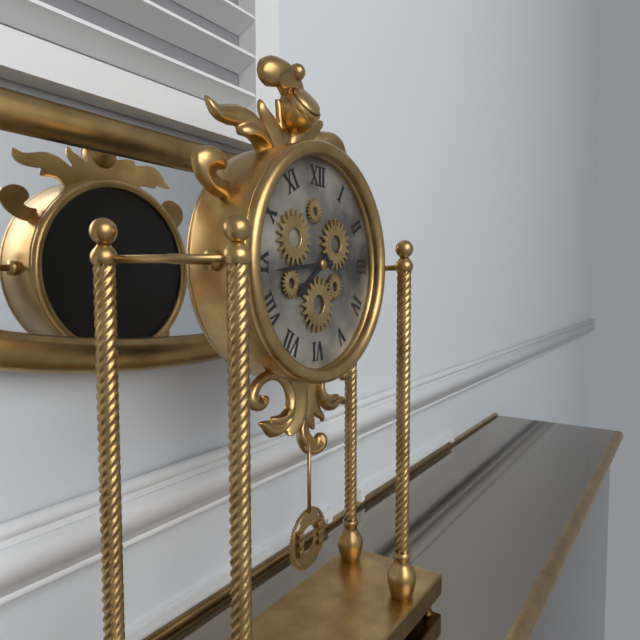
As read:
7.44
